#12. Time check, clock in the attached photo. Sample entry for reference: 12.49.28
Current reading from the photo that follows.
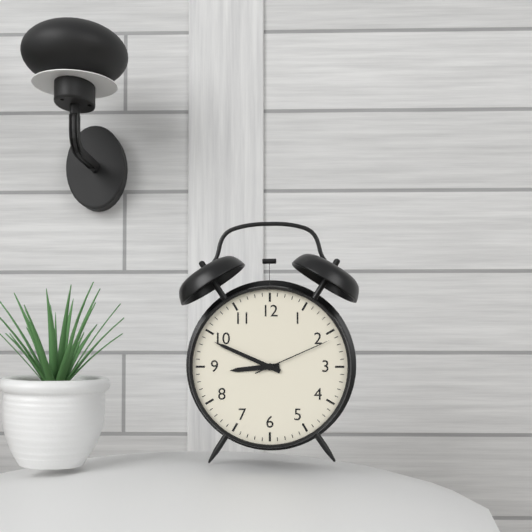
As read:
8.49.11
